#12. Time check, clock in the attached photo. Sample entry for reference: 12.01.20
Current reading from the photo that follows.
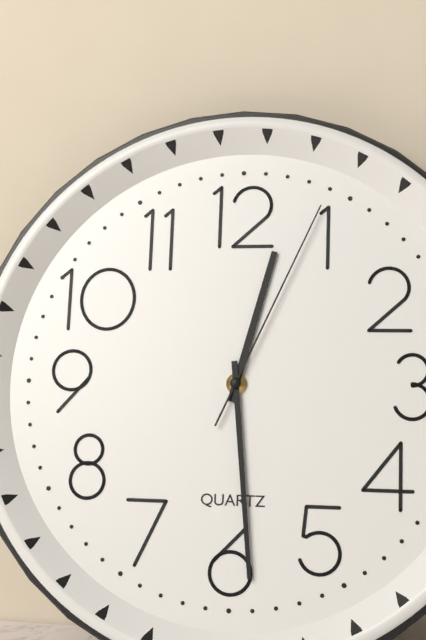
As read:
12.29.04
